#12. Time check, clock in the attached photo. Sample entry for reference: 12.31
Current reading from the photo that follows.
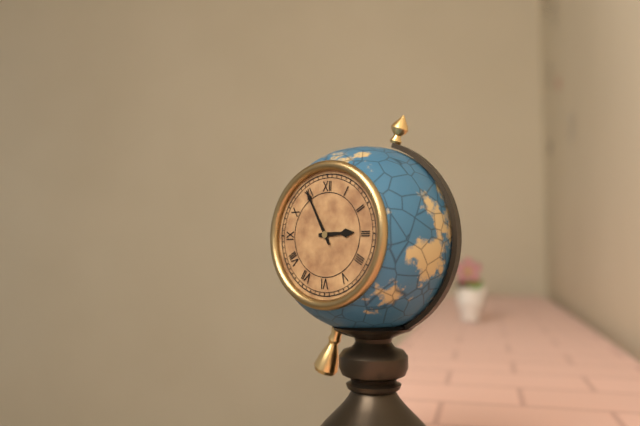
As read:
2.55
